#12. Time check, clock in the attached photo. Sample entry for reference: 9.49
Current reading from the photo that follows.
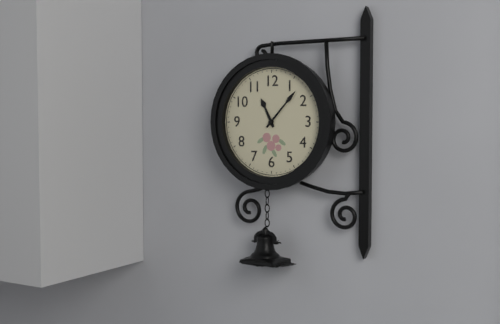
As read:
11.07
